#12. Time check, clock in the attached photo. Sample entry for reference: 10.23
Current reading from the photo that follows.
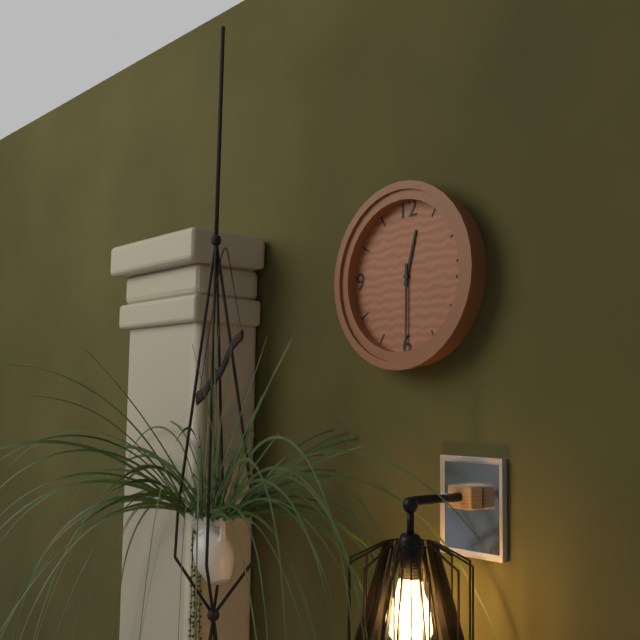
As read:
12.30
